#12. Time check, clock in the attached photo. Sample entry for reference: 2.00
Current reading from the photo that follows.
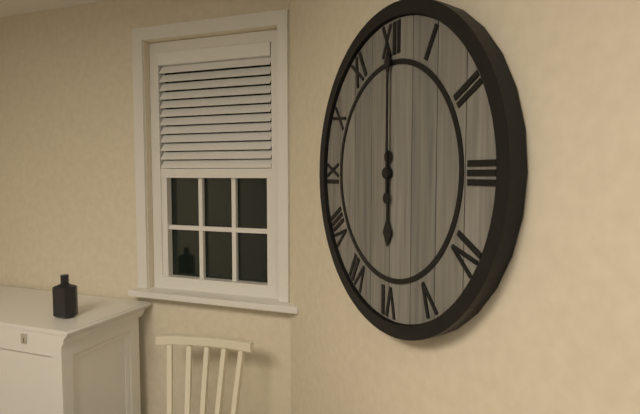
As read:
6.00
